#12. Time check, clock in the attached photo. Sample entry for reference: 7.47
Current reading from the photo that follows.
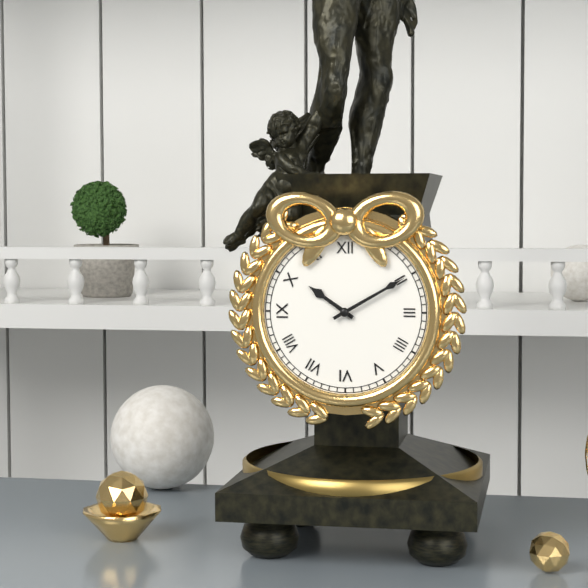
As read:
10.10
